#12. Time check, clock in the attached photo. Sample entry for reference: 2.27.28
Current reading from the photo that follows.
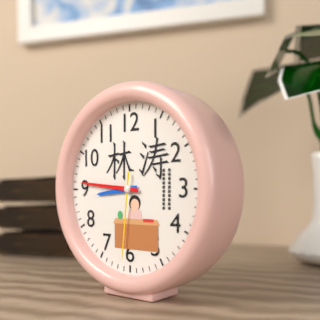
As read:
8.46.31
